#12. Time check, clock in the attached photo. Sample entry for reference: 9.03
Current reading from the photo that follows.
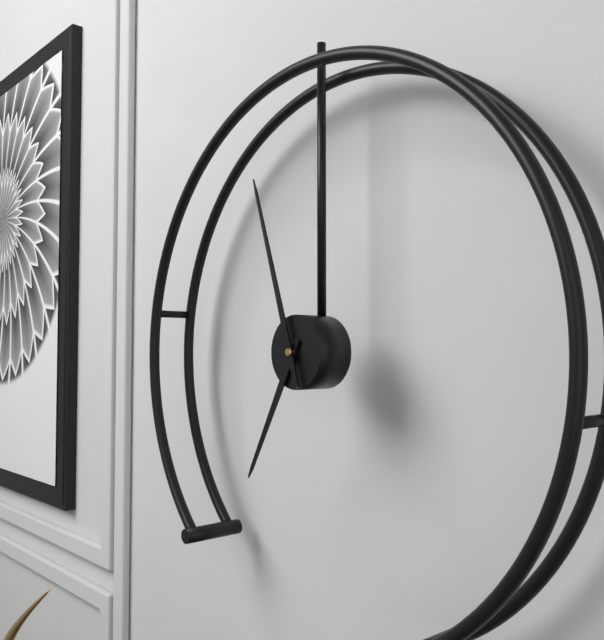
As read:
6.57
